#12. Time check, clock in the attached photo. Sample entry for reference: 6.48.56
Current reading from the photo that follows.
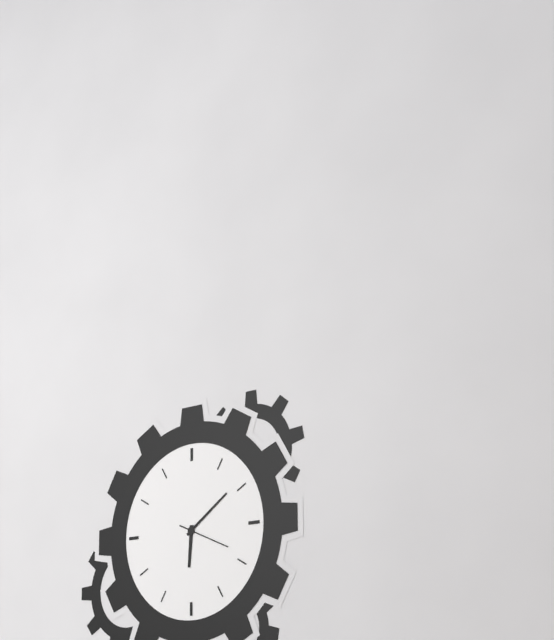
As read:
6.09.19
